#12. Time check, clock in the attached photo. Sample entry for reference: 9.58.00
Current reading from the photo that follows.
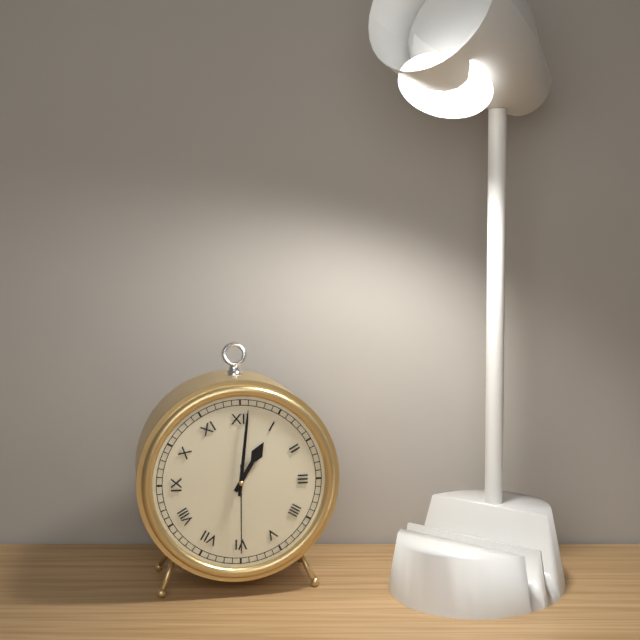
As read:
1.01.30
